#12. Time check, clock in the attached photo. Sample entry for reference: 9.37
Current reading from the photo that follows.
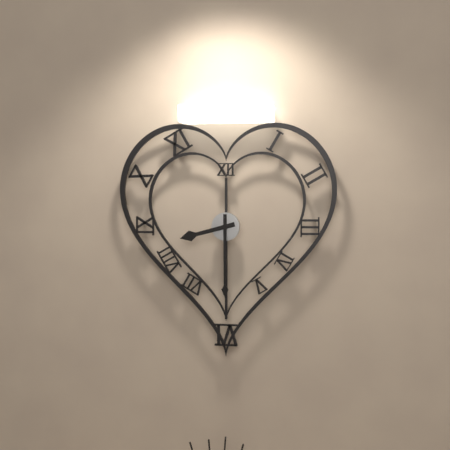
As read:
8.30
